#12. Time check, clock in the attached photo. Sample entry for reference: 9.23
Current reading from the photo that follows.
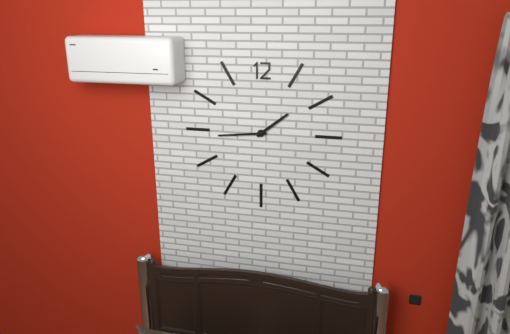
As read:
1.44
